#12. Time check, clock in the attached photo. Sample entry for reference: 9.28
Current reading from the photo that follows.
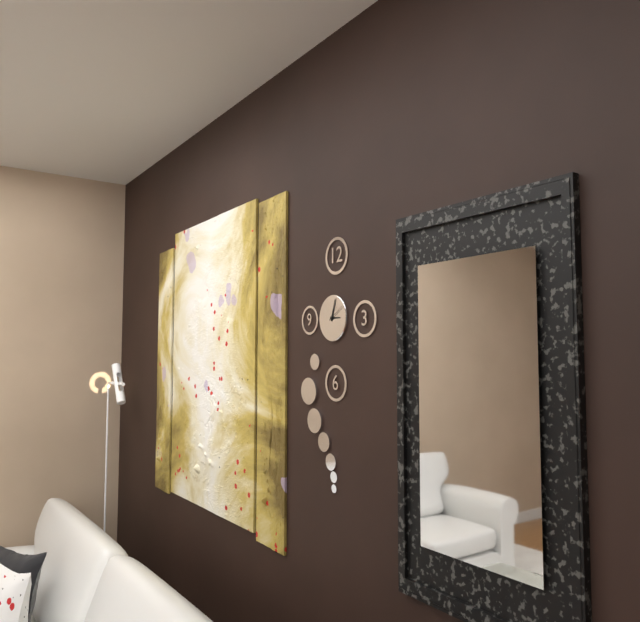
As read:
3.03
